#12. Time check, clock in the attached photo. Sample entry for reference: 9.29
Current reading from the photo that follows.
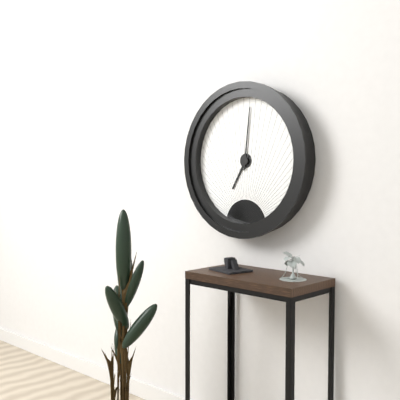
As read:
7.01
